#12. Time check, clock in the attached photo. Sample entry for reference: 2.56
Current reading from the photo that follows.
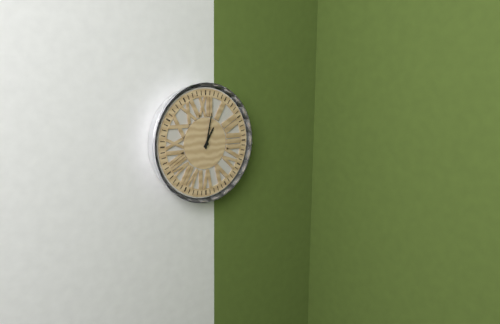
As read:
1.02
